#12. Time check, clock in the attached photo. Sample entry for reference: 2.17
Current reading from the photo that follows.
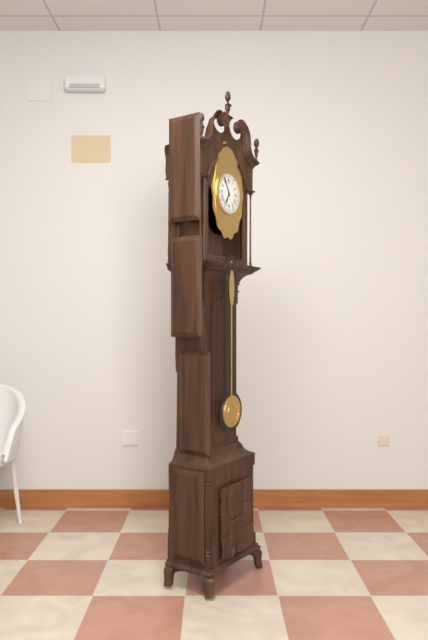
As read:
6.55
